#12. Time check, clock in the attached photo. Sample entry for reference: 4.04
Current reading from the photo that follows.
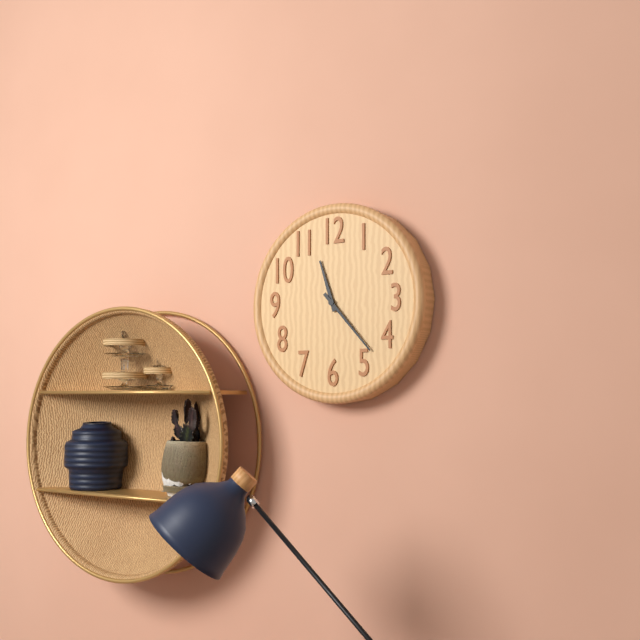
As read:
11.23
